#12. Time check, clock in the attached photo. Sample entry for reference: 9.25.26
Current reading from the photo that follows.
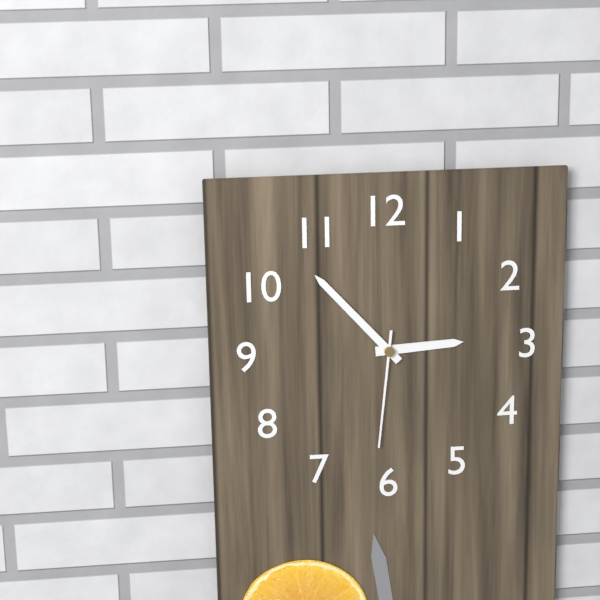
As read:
2.53.31
